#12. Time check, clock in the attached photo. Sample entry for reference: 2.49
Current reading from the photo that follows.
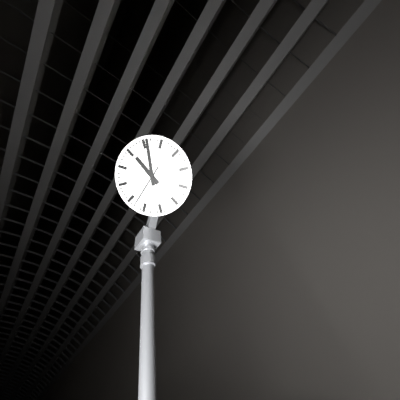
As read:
12.06
